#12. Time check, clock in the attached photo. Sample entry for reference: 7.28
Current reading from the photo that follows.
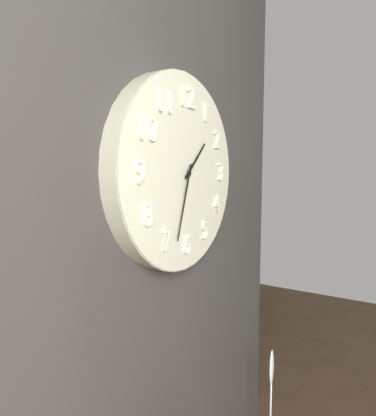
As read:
1.33
